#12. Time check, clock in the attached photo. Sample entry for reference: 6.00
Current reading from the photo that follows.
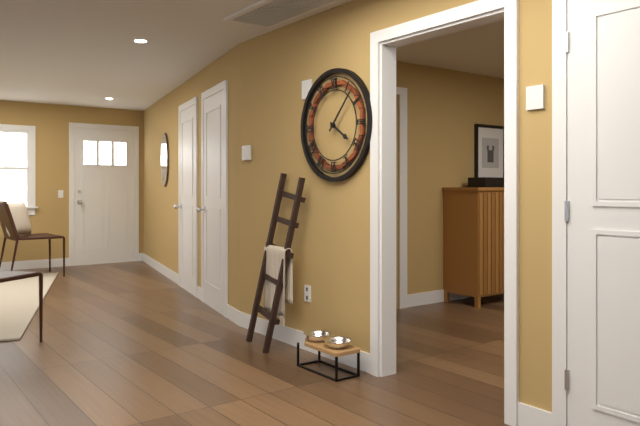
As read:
4.07
